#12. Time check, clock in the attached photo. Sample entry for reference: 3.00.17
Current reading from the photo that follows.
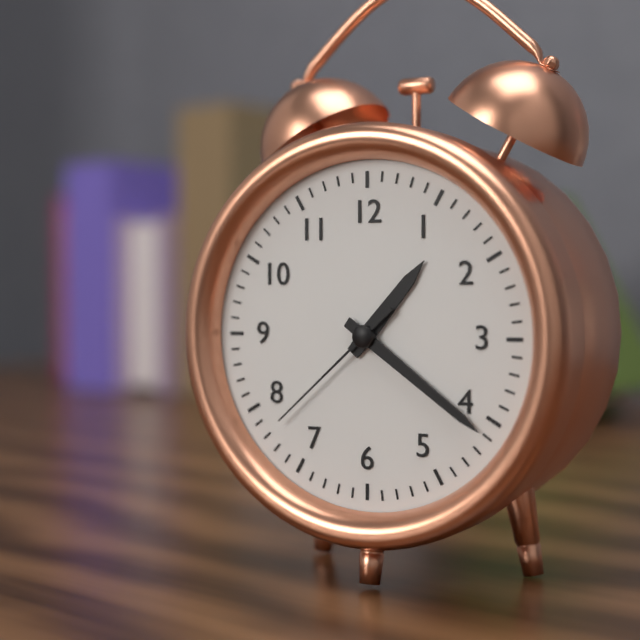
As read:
1.21.38
